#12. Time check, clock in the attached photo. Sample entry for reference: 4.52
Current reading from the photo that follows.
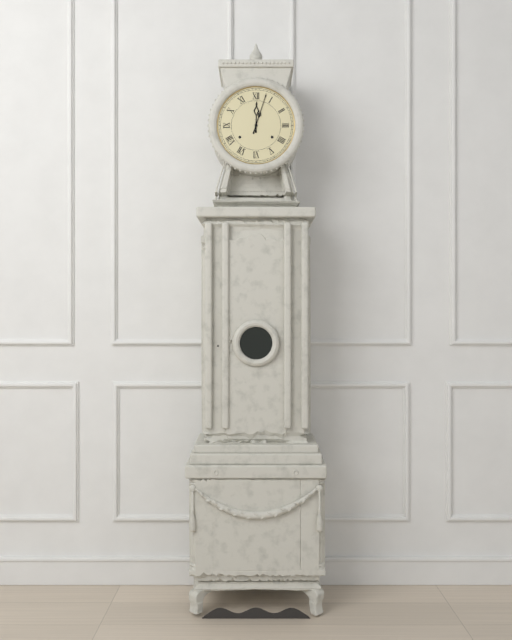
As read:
12.03
